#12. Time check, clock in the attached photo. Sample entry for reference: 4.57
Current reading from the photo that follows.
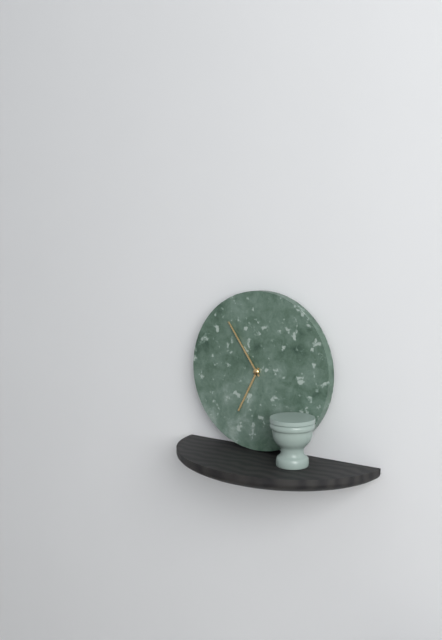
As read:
6.54
